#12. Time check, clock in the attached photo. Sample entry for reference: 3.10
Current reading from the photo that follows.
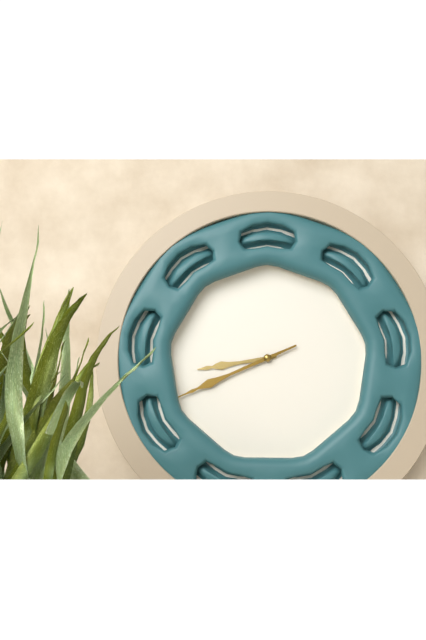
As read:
8.41
